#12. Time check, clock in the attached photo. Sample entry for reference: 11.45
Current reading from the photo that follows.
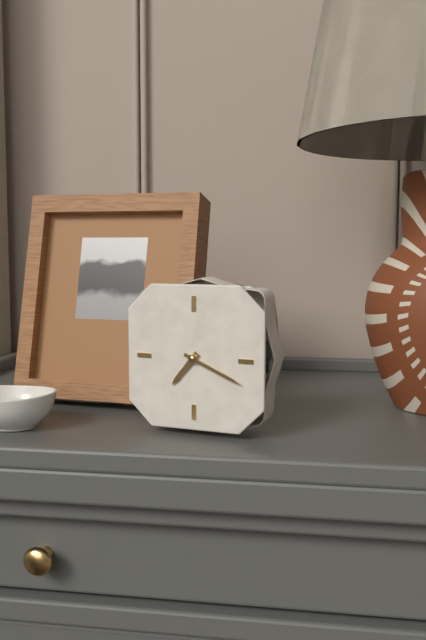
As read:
7.19
